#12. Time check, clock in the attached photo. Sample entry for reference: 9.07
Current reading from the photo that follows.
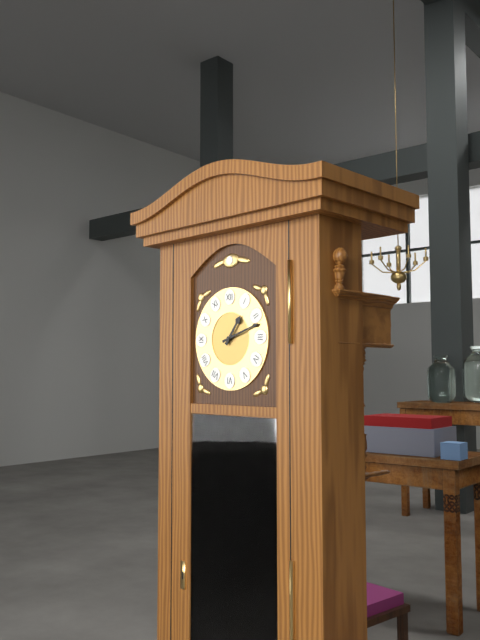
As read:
1.12
